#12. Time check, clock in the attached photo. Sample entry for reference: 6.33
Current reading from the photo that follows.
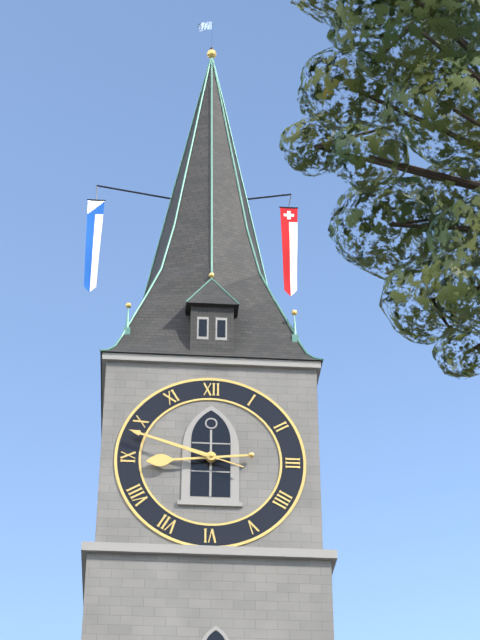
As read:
8.48
